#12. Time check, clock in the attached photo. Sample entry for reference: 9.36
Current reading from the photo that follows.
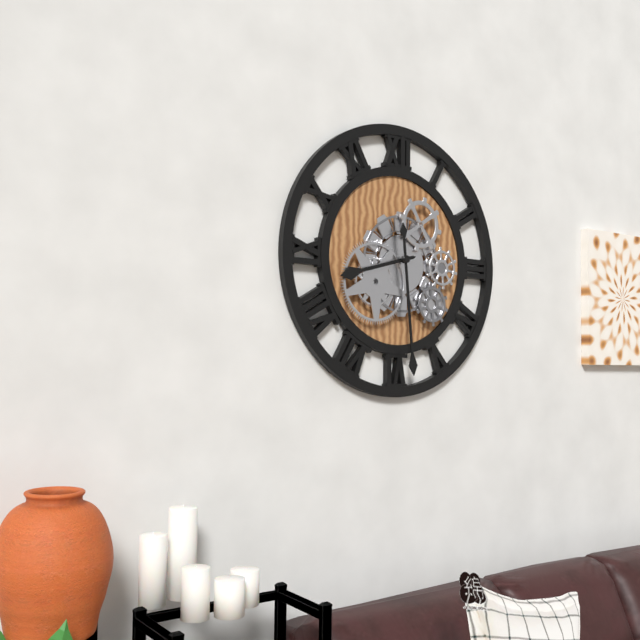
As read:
8.29
